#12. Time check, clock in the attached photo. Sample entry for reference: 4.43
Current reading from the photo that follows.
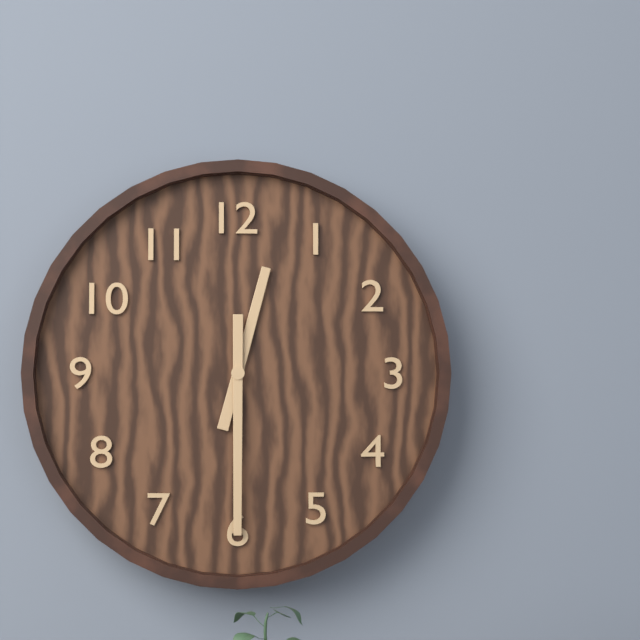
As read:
12.30
